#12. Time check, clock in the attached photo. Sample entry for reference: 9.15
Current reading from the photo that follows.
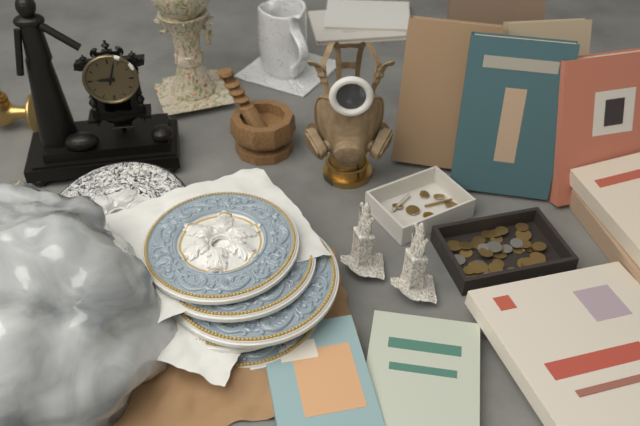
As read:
9.03
